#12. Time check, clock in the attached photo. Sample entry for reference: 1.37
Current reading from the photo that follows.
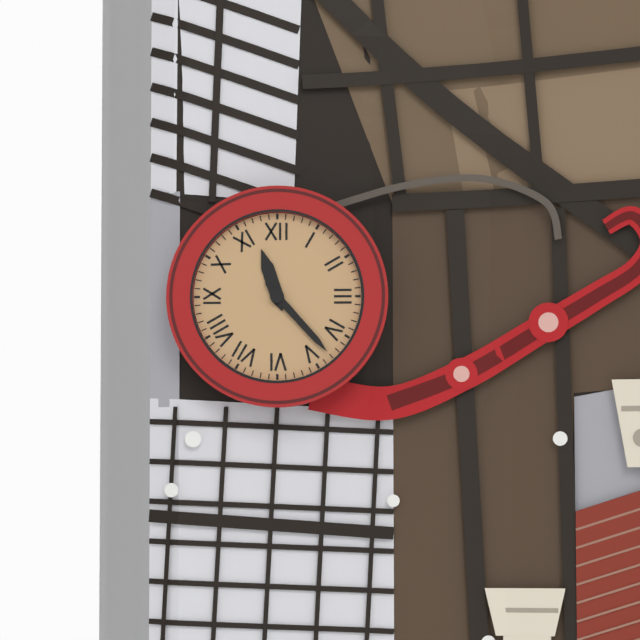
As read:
11.23
